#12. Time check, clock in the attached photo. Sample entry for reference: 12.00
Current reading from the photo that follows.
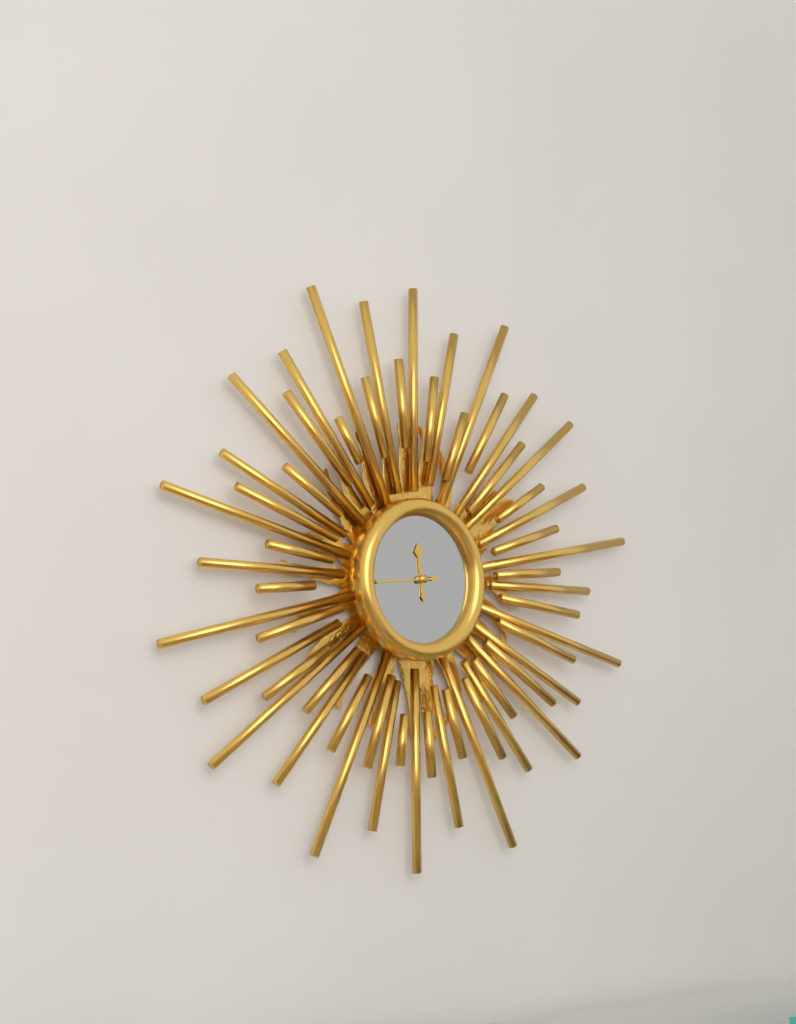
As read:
11.44
